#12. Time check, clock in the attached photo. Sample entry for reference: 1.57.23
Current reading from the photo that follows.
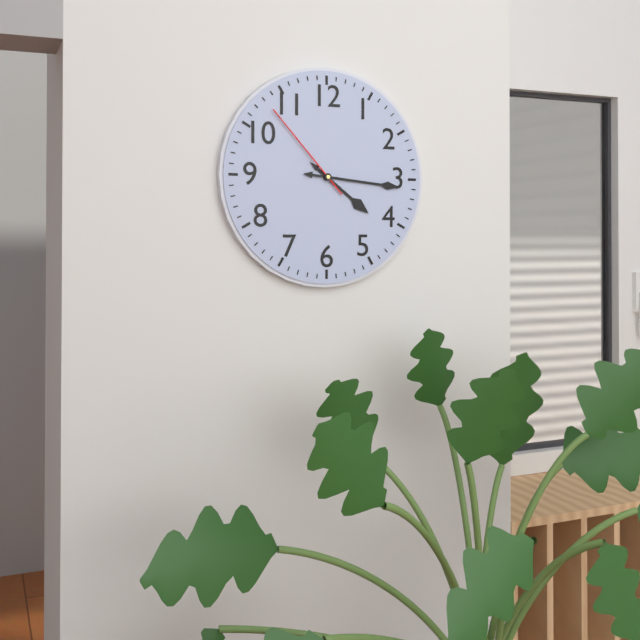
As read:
4.16.53
